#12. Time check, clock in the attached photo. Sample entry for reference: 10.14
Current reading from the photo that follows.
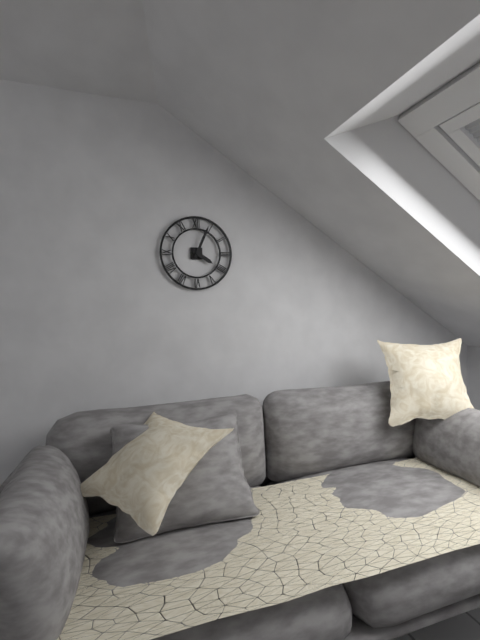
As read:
4.04
